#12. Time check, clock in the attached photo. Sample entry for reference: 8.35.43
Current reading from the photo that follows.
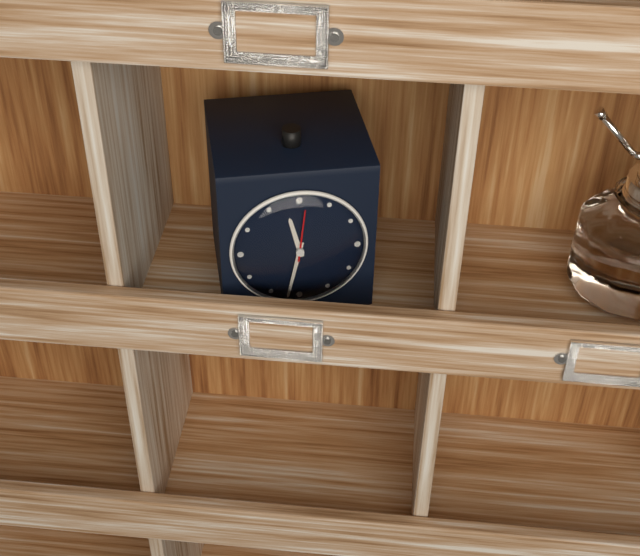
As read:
11.32.01
